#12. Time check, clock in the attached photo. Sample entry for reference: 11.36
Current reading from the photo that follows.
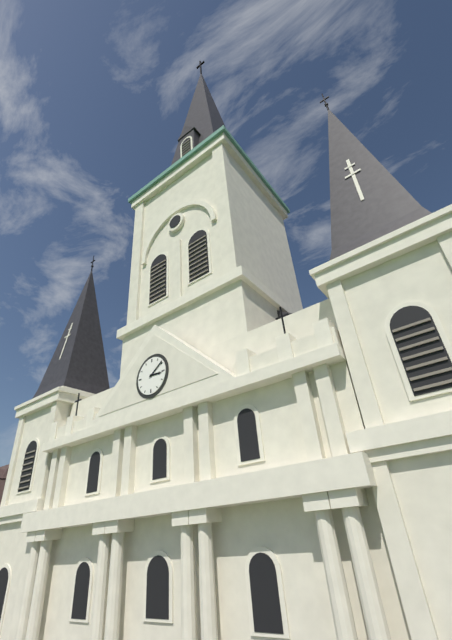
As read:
3.09
